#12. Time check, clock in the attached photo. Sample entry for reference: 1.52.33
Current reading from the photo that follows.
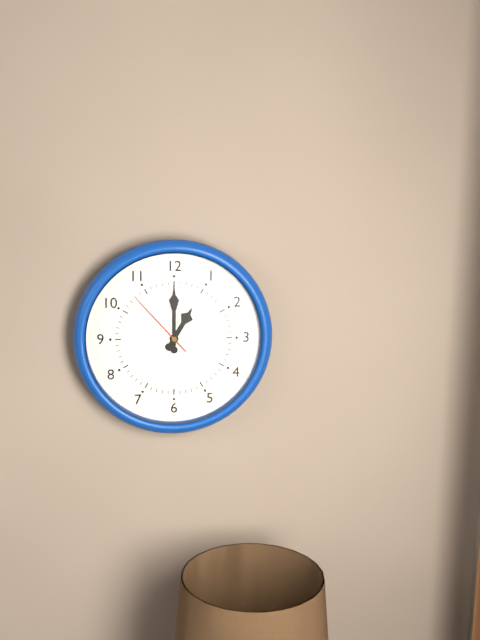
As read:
1.00.53
